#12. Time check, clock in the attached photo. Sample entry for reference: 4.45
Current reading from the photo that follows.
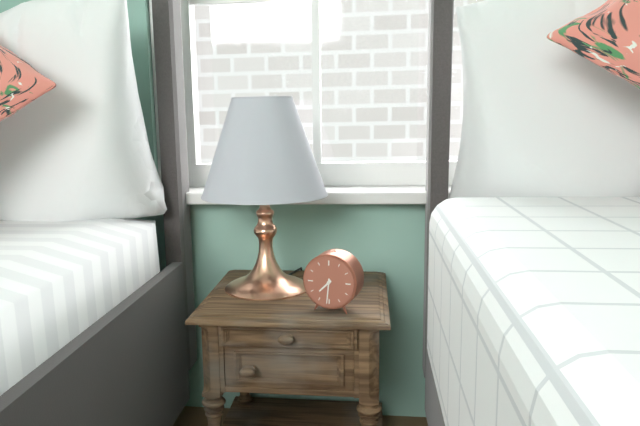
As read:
7.31
